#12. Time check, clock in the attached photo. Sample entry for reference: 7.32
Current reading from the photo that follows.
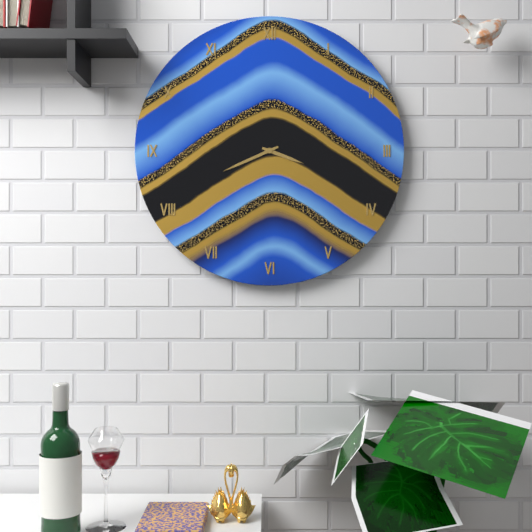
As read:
3.41
